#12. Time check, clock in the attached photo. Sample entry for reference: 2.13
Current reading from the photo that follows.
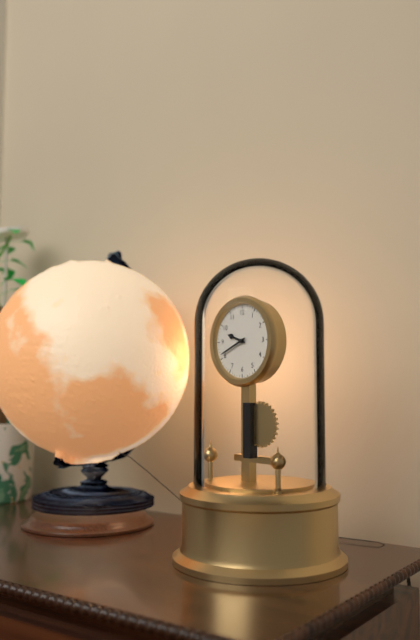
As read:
9.41
